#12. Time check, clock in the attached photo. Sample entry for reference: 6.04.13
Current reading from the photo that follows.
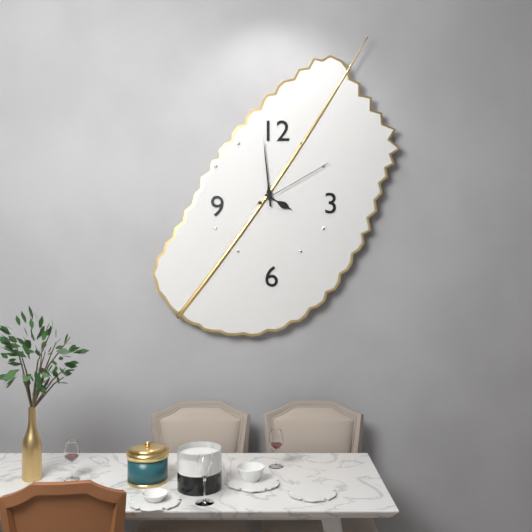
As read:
3.59.10
